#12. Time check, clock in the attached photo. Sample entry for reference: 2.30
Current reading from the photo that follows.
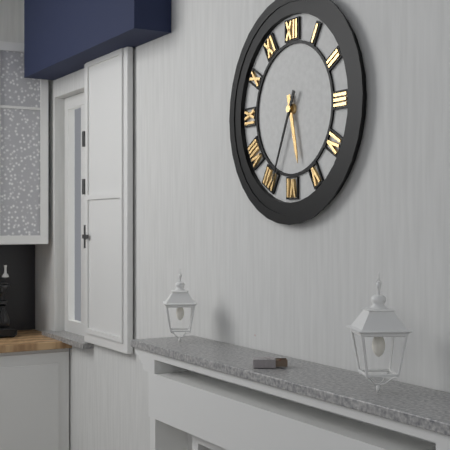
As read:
5.34
